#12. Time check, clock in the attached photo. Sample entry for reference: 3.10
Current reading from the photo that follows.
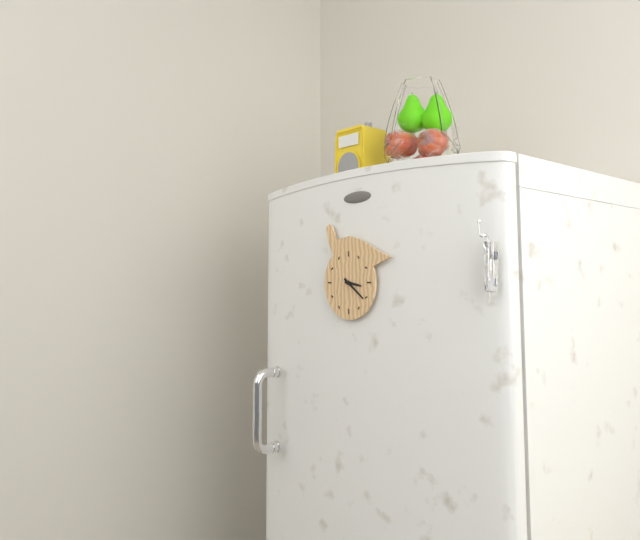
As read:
3.21
